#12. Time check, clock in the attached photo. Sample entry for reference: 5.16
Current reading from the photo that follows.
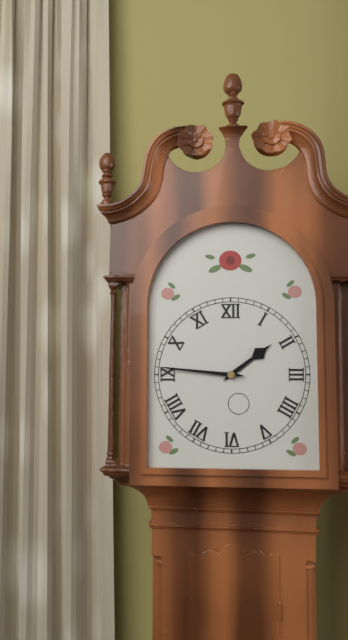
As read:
1.46
